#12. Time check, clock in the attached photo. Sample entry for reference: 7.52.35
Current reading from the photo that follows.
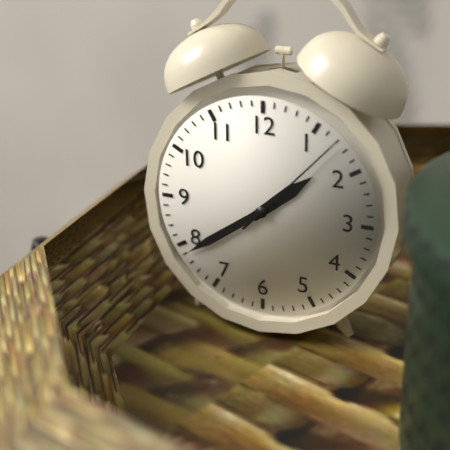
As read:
1.39.07
